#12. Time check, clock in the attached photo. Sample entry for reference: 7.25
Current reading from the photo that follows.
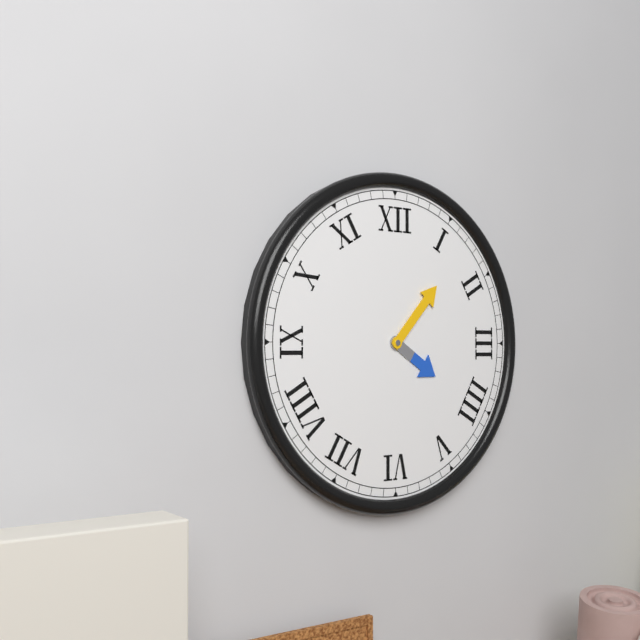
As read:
4.07
